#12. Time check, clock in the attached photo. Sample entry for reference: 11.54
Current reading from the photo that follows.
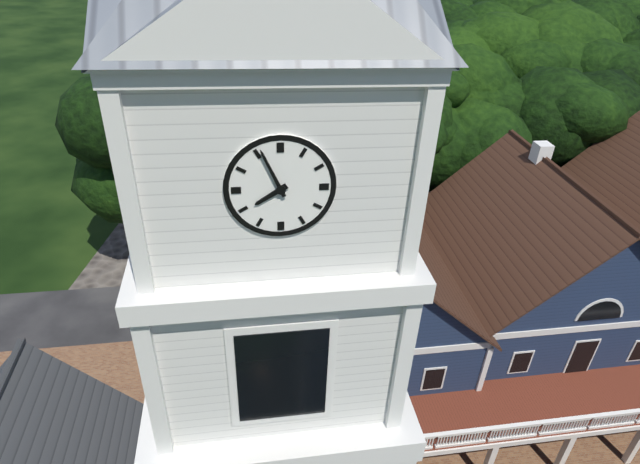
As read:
7.56
